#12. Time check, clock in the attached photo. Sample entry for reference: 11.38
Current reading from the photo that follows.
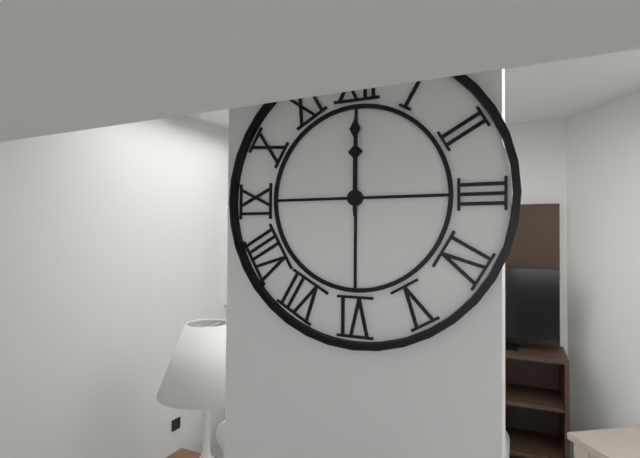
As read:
12.00
